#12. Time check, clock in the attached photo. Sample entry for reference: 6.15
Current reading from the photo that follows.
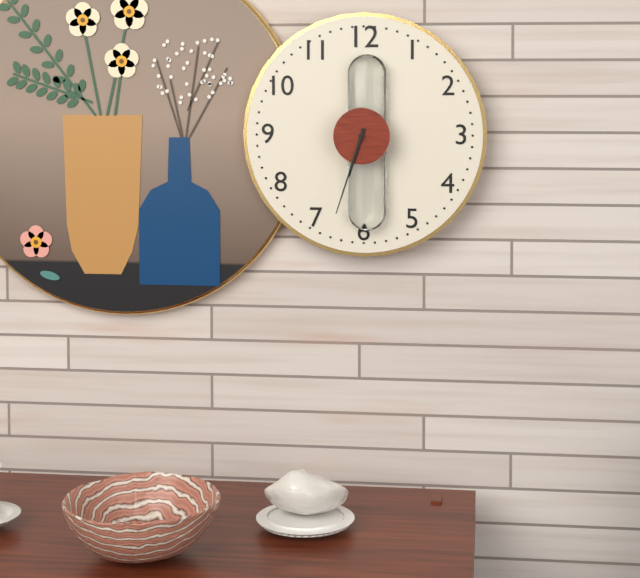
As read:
6.33
